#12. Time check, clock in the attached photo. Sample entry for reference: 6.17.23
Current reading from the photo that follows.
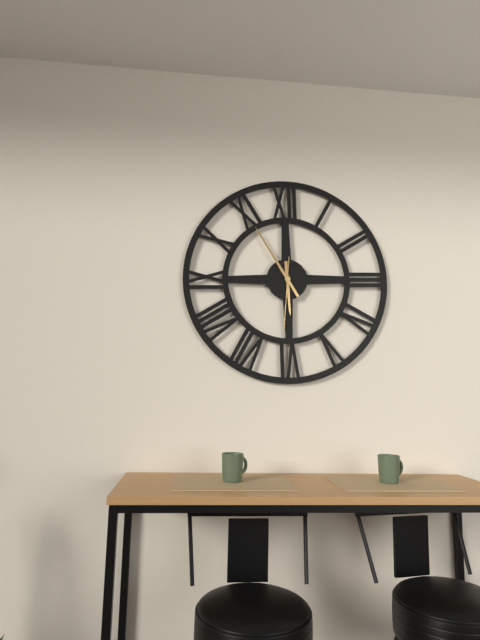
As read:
5.55.31
